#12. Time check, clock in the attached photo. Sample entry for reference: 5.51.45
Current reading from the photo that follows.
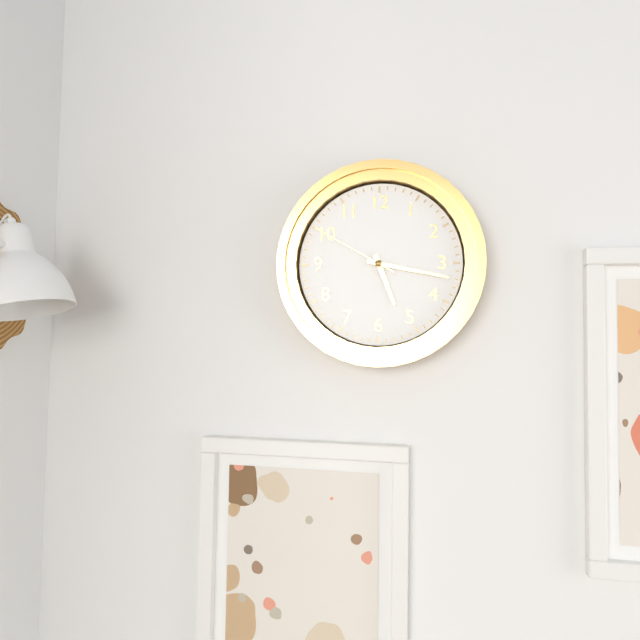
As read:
5.17.50
